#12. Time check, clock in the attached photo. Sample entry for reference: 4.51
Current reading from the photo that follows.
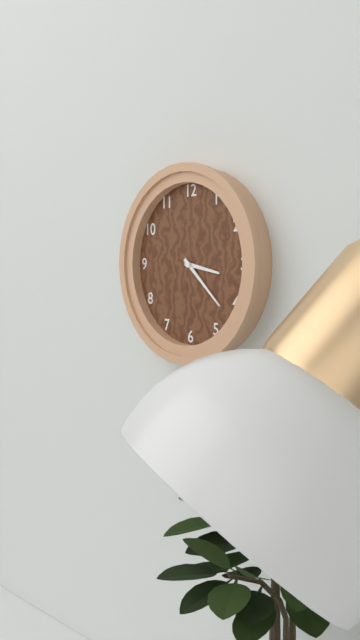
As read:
3.22
